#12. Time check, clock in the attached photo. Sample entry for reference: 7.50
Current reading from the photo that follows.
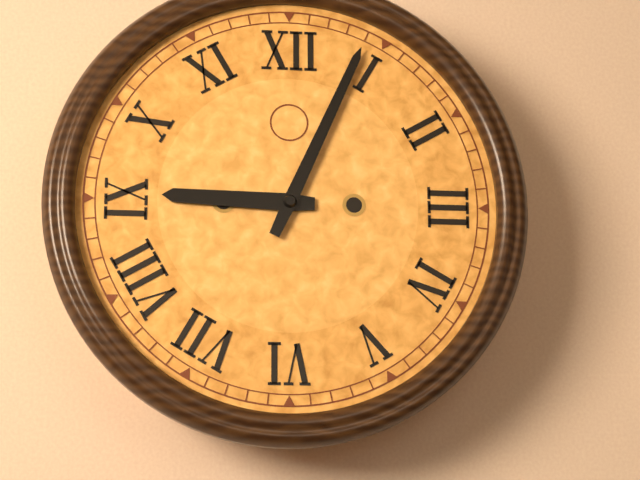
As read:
9.04
